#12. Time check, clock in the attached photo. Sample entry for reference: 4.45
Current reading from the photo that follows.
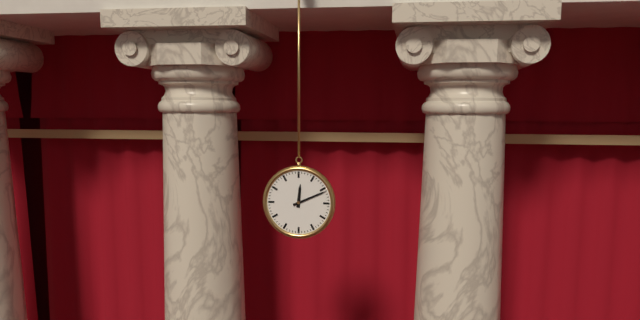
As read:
12.11
